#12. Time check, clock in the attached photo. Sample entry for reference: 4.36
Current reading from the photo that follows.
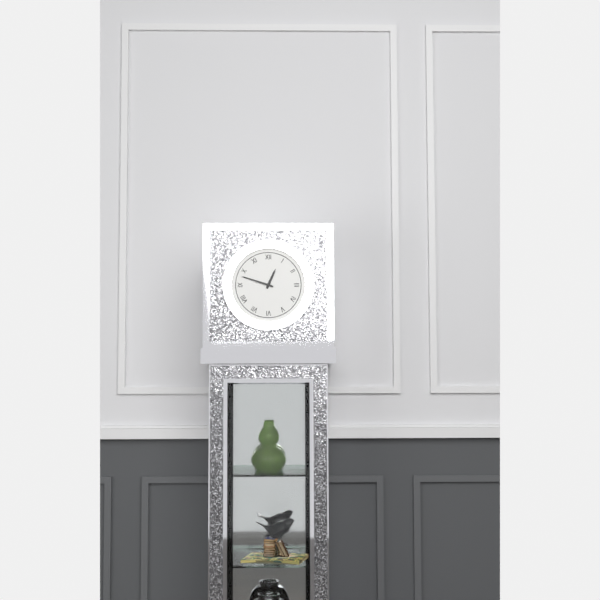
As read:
12.48
